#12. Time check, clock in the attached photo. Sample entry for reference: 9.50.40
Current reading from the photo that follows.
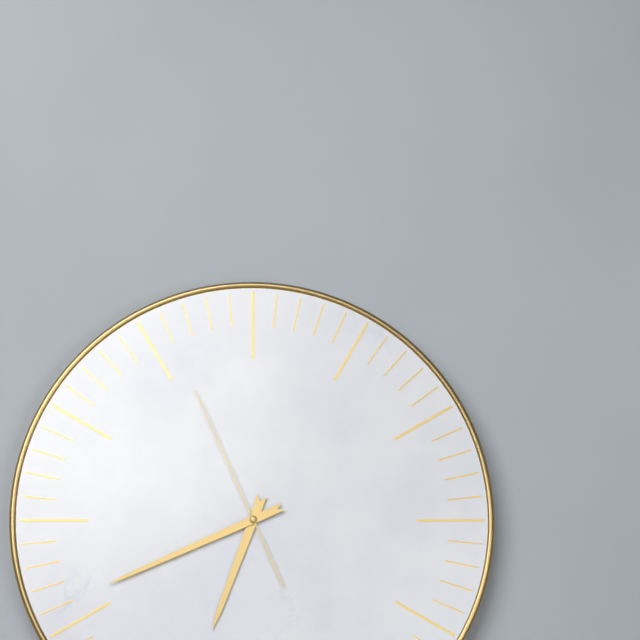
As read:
6.41.56
